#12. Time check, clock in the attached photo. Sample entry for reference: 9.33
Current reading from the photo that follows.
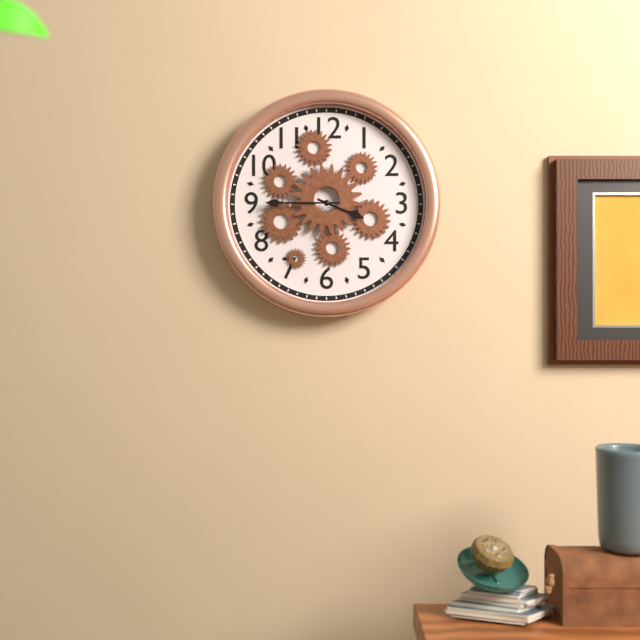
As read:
3.45
